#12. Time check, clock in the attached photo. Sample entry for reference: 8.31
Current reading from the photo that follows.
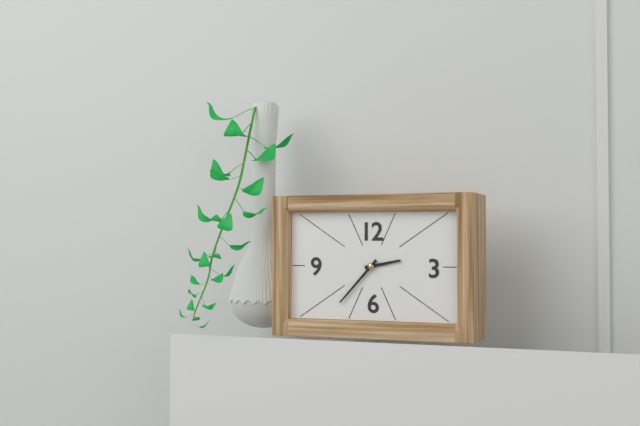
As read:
2.37
